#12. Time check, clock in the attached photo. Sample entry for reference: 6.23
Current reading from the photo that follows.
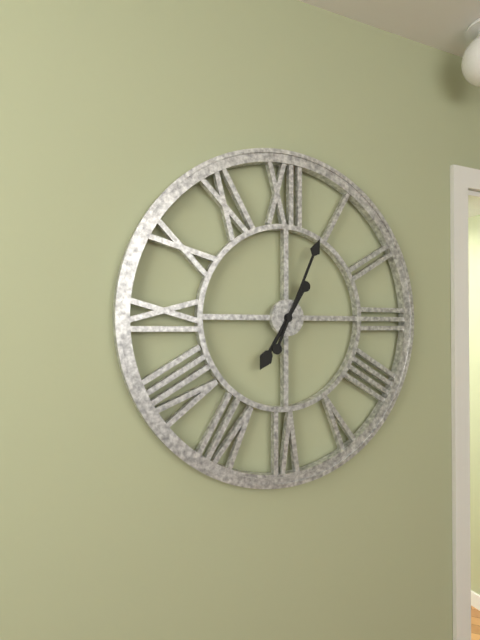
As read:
7.04
